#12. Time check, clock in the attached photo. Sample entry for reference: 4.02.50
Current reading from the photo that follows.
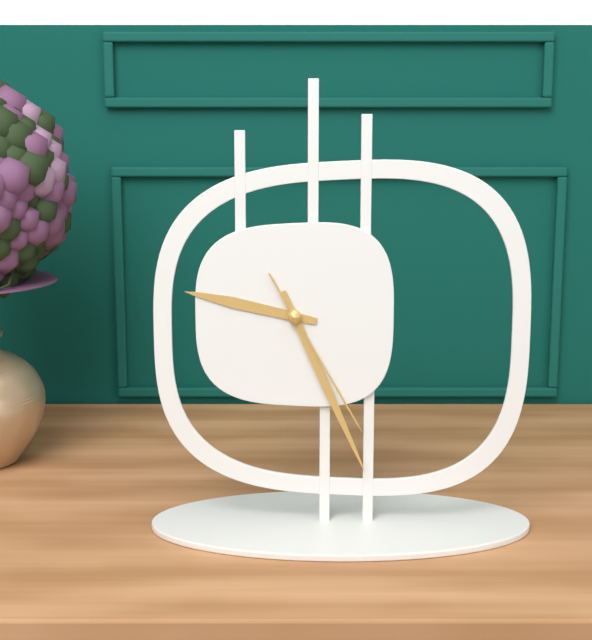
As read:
9.26.25
